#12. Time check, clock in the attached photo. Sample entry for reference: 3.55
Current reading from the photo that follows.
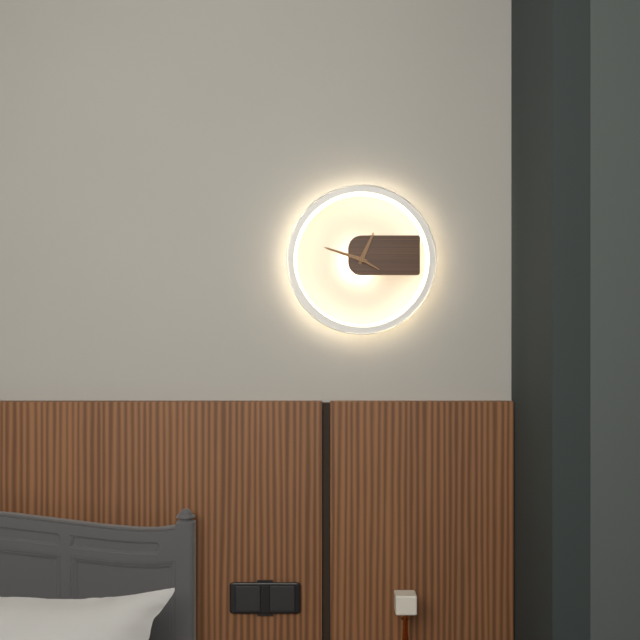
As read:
12.48
